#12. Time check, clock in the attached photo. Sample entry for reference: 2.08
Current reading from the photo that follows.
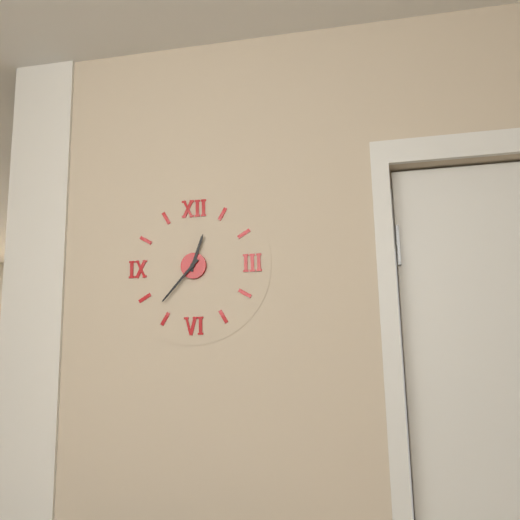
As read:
12.37
